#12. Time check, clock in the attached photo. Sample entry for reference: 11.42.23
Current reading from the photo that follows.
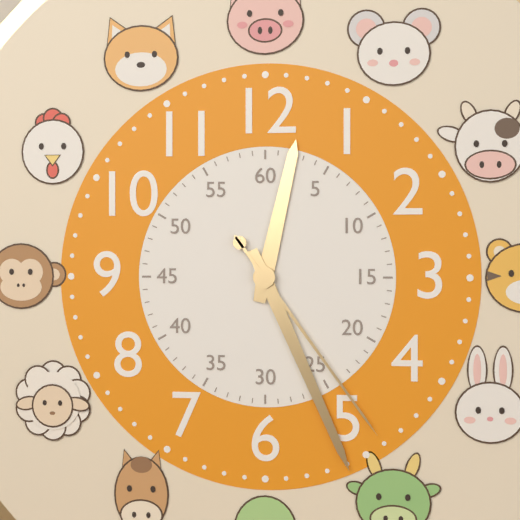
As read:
12.26.24
